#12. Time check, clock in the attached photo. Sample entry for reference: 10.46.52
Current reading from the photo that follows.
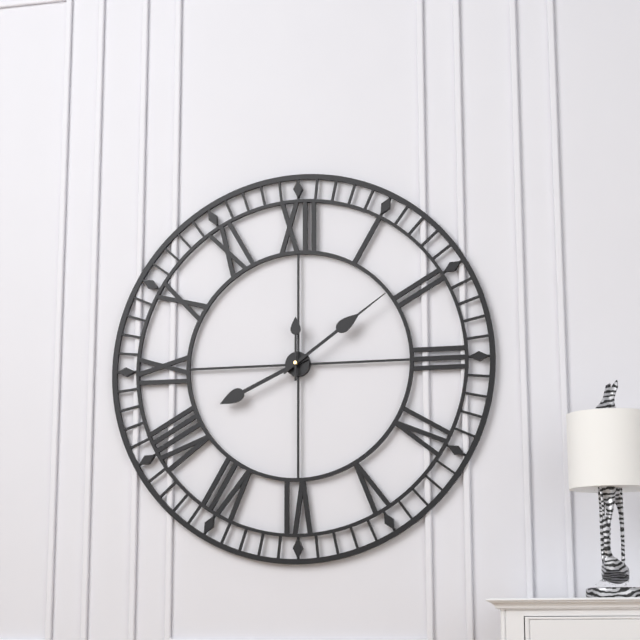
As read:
8.09.00
